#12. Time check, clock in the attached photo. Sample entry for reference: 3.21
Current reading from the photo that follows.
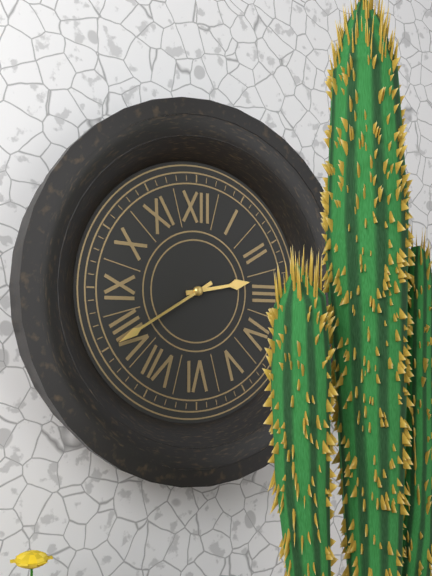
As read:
2.40
